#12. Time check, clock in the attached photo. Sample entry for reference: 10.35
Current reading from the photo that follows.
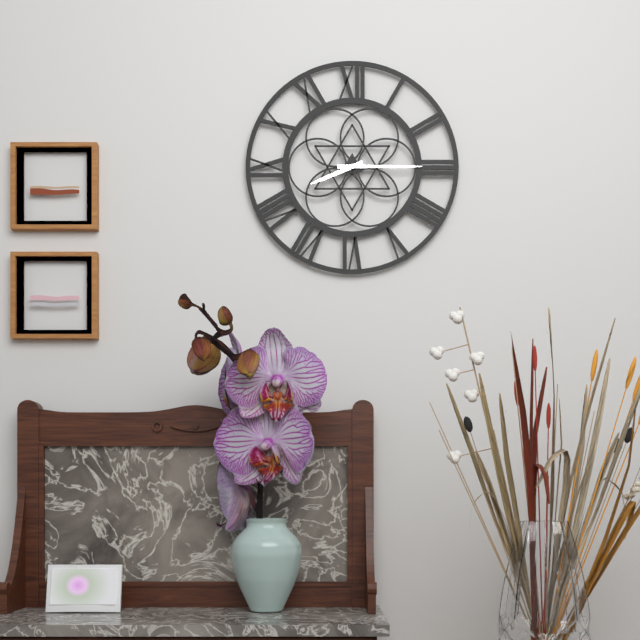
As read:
8.15
